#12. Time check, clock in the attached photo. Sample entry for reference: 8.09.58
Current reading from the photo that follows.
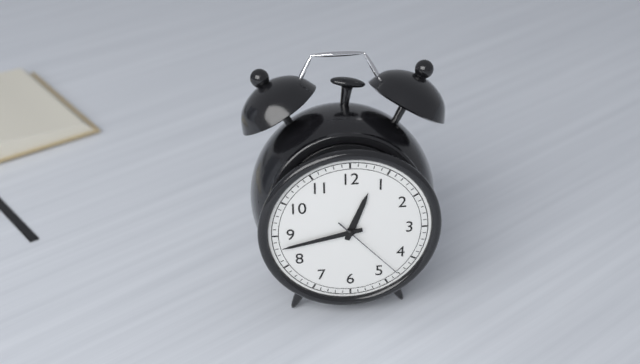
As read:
12.43.23
